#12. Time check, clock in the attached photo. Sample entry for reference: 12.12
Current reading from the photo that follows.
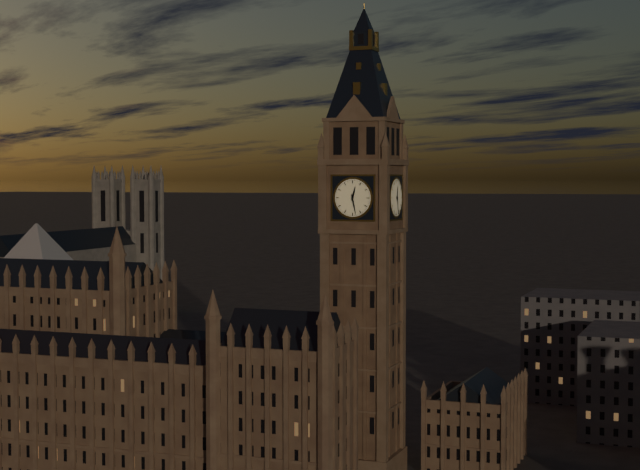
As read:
12.28
